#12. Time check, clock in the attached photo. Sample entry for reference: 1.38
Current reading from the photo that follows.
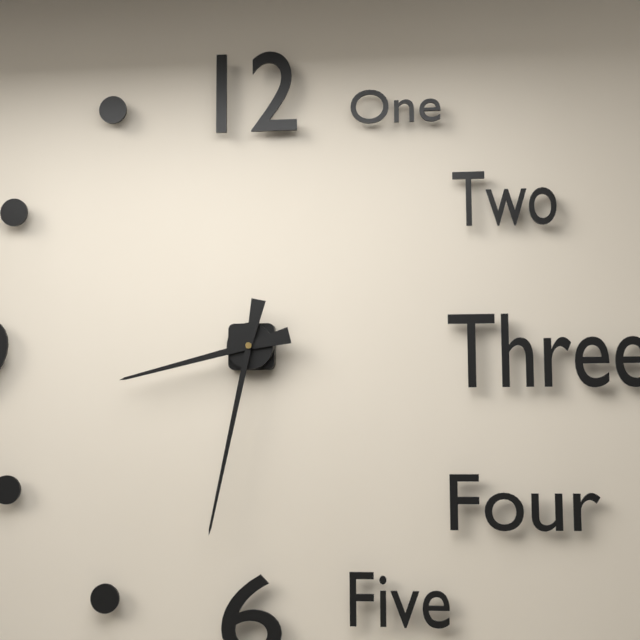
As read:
8.32
